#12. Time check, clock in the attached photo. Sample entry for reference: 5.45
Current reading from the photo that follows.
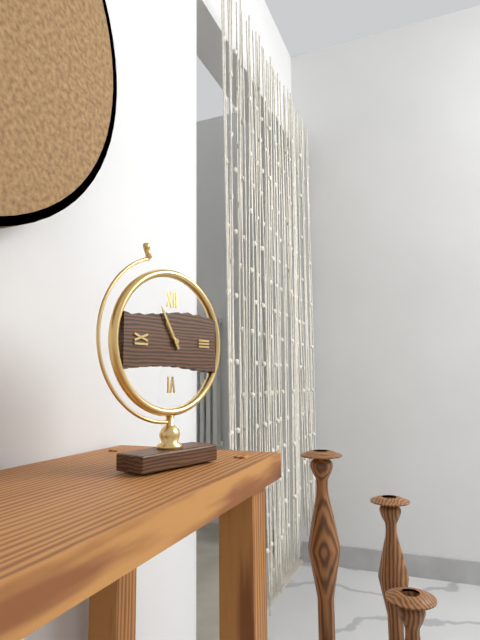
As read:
10.55
